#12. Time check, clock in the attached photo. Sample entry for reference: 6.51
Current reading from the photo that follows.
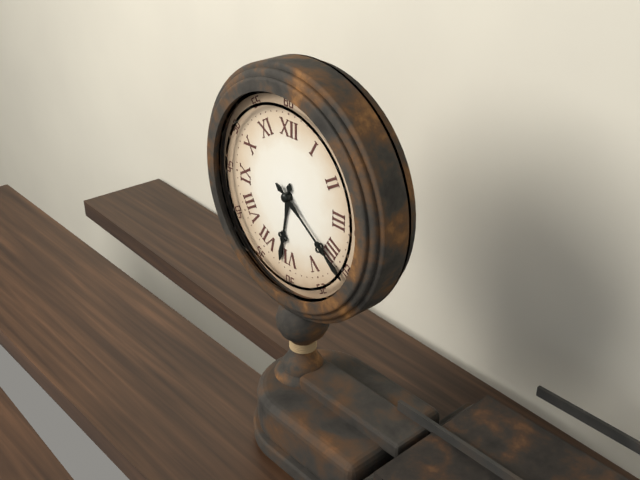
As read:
6.21
